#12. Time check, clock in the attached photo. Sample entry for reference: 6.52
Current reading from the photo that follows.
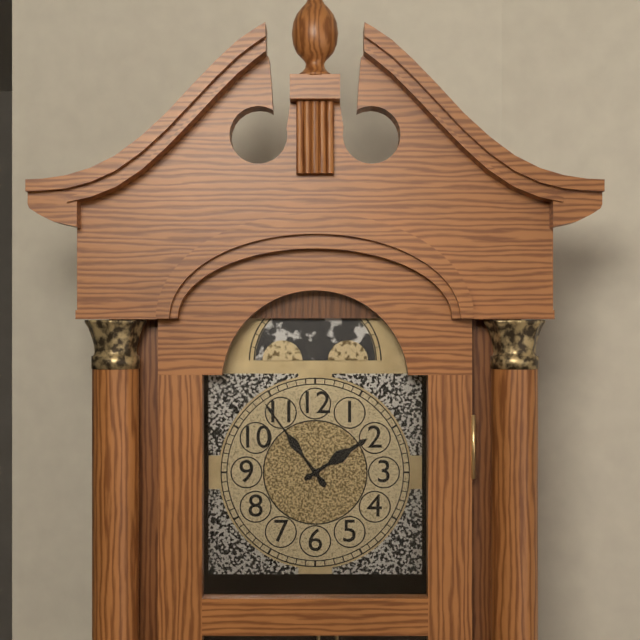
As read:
1.54
